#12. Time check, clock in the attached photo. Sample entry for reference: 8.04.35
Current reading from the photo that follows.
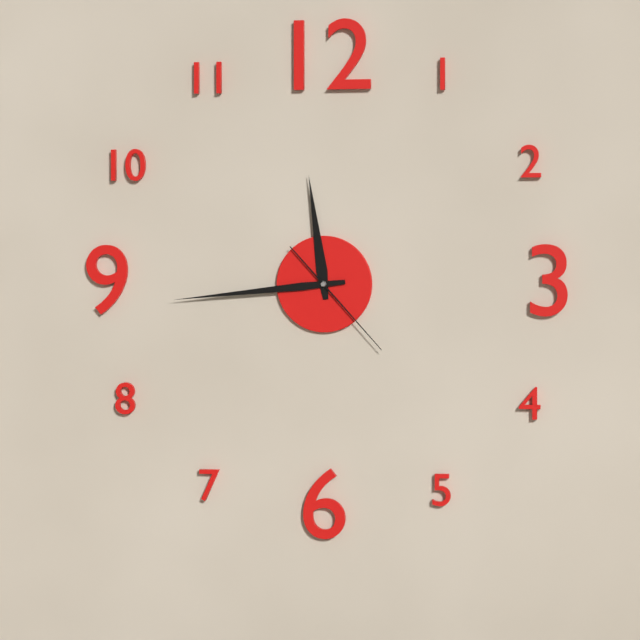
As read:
11.44.23
